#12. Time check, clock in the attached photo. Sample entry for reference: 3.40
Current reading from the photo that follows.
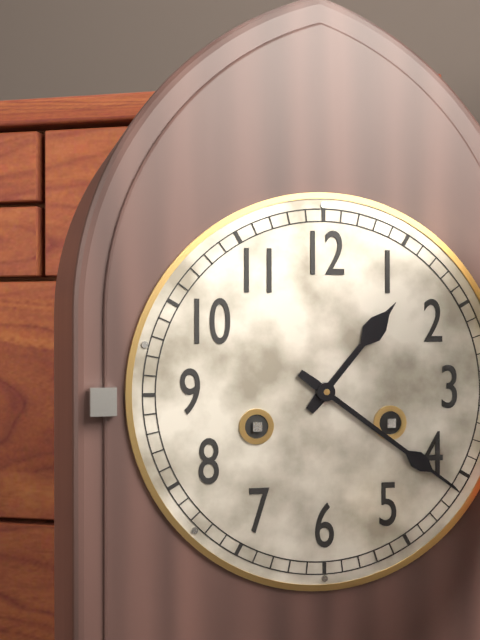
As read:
1.21
